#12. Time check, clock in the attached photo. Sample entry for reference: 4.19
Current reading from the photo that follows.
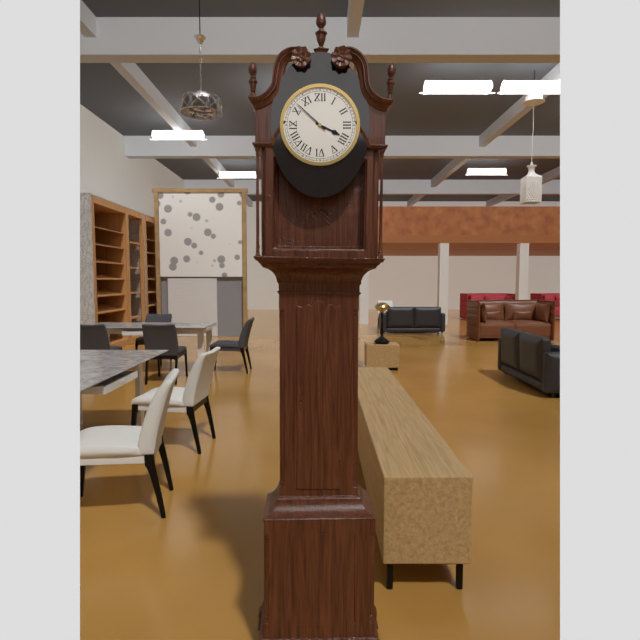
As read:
3.52
